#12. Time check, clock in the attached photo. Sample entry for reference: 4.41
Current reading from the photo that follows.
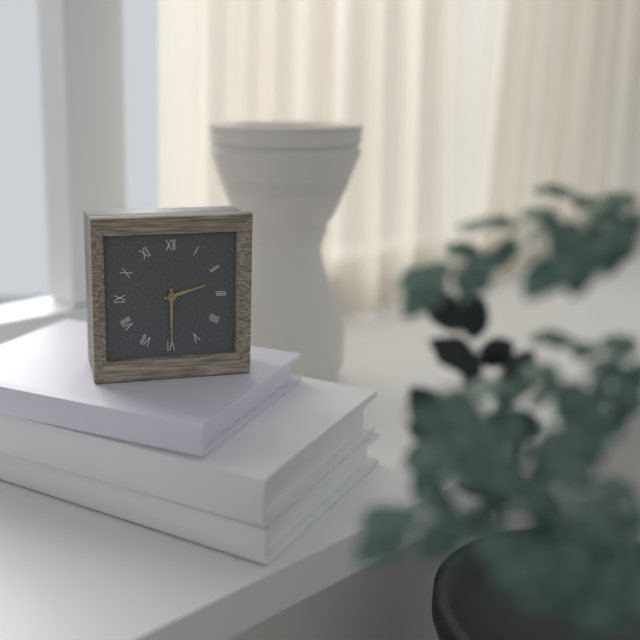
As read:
2.30
